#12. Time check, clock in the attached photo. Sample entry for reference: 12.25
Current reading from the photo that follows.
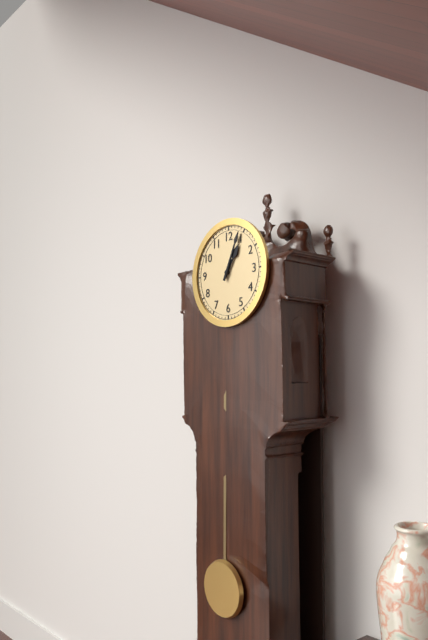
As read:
1.04
